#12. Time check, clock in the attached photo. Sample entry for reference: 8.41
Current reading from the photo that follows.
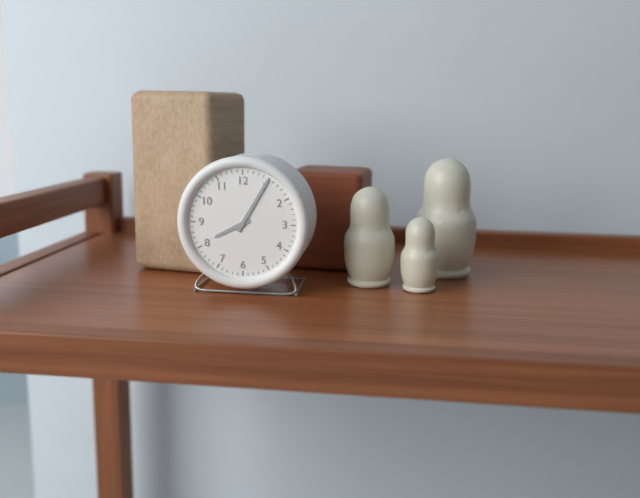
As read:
8.05
